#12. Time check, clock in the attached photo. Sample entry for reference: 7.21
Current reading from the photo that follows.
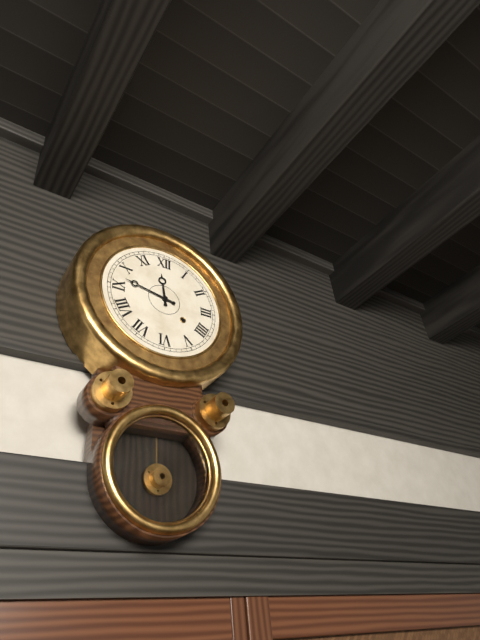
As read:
11.47
